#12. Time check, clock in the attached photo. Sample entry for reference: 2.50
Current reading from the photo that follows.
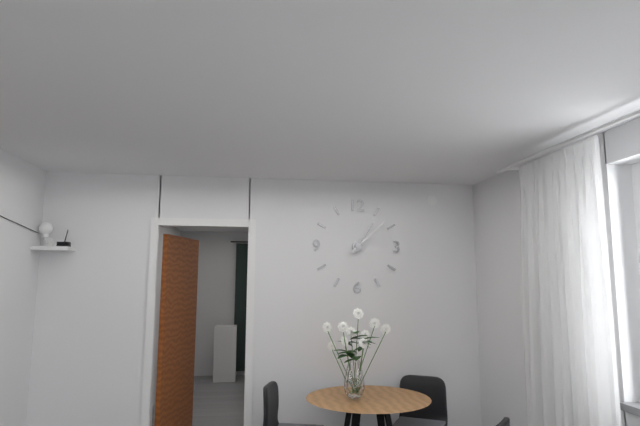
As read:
1.08
